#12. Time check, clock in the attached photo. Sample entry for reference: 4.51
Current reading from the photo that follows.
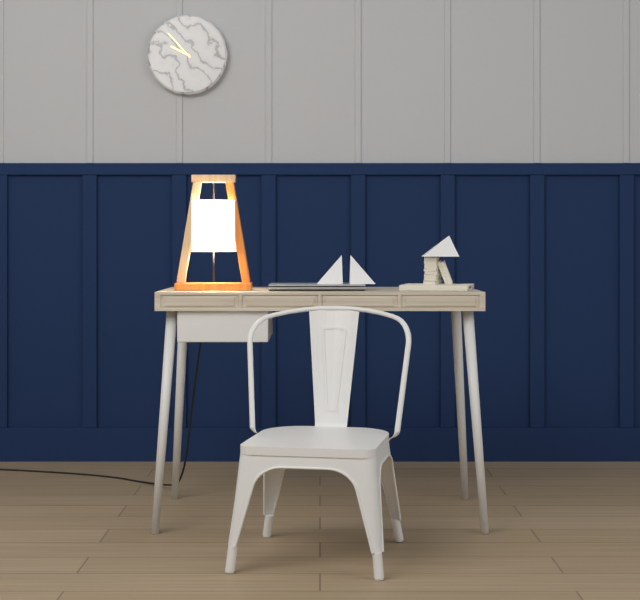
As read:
9.53
